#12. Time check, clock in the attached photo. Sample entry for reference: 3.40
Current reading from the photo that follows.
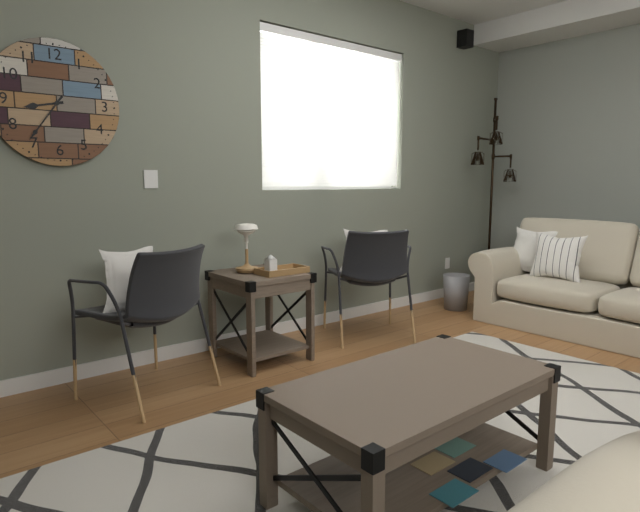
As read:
8.36
